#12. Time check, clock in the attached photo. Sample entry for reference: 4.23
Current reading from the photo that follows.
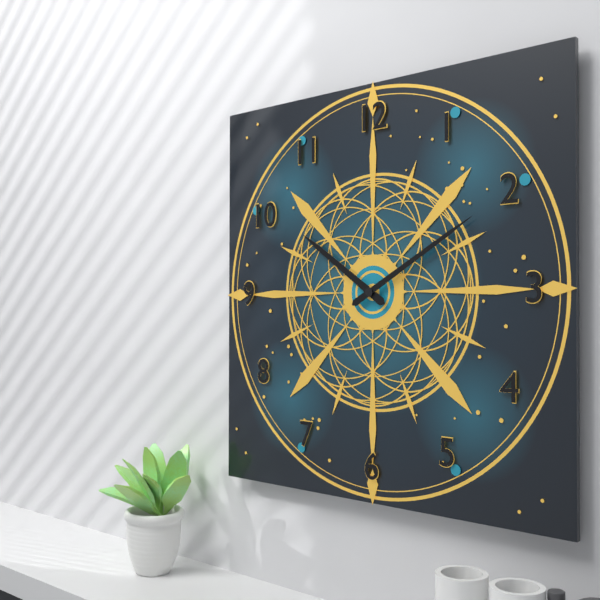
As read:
10.10
